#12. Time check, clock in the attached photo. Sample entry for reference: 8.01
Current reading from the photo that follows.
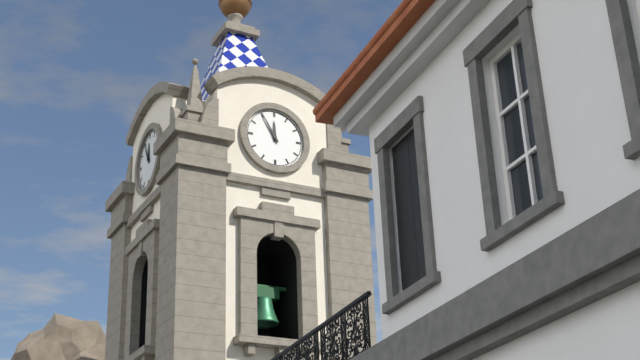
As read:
11.55
